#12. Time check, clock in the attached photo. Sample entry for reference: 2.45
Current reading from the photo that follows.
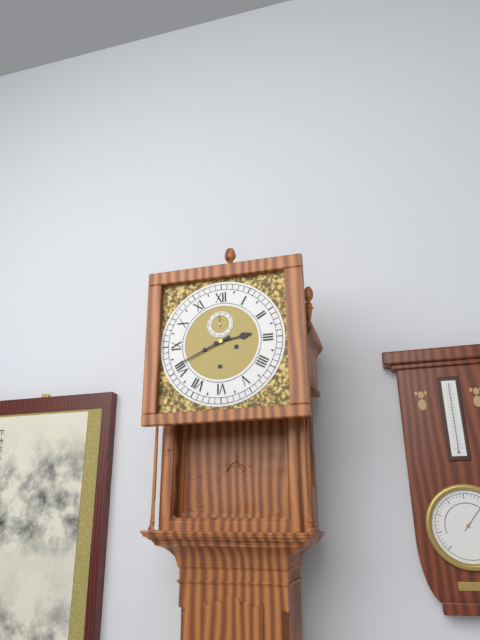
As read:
2.41
